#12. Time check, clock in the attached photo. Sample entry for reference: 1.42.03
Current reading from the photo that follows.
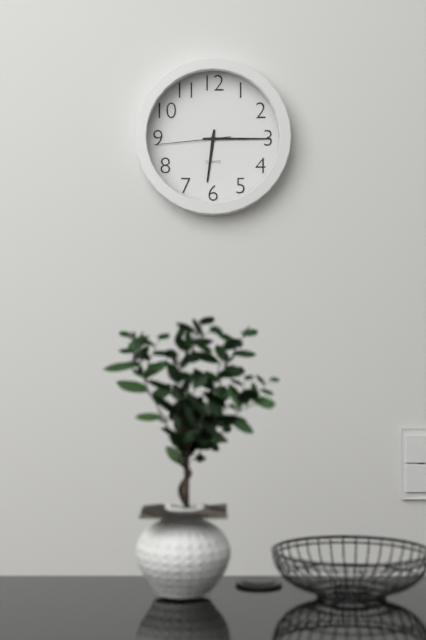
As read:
6.15.44
